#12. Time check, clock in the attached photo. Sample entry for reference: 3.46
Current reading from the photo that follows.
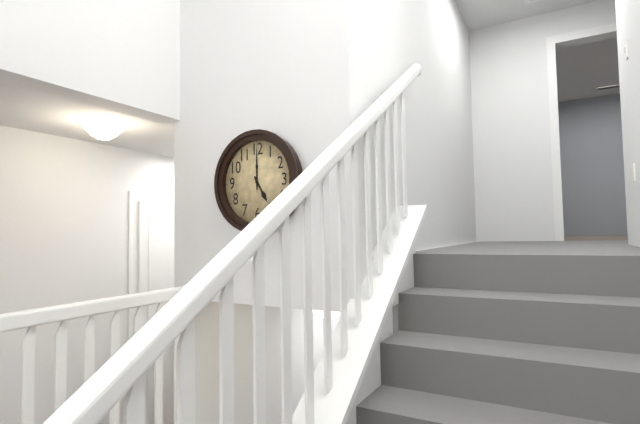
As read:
5.00
